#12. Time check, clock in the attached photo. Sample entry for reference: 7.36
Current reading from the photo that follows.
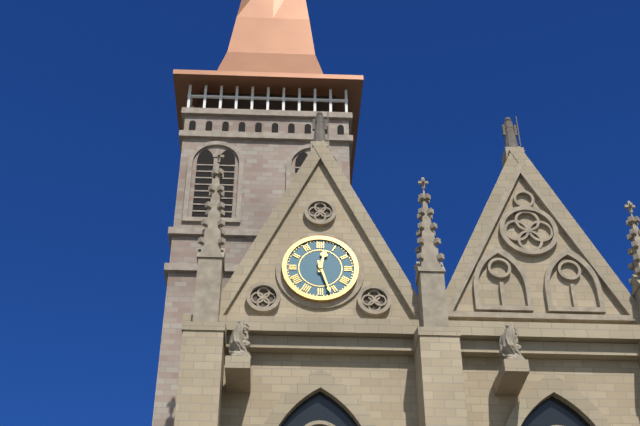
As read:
12.27
